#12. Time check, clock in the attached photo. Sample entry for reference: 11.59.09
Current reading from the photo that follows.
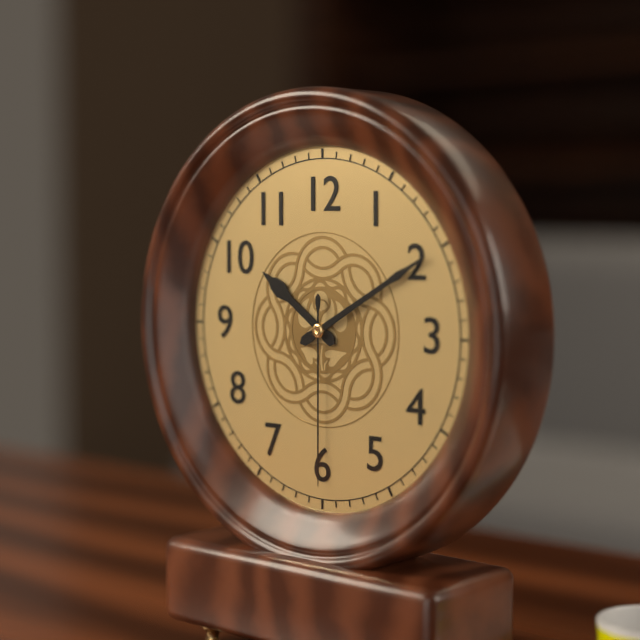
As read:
10.10.30
